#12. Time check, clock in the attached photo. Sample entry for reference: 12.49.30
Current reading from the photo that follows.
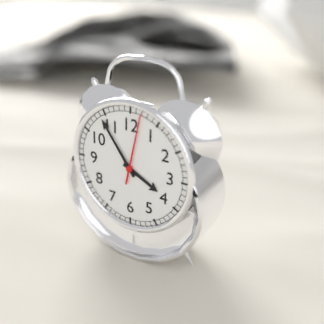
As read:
3.54.02
